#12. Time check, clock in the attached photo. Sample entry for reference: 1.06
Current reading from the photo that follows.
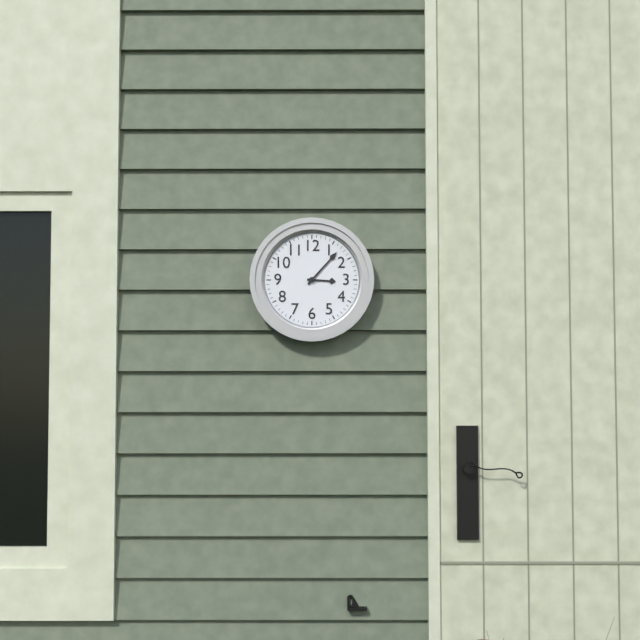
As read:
3.07
